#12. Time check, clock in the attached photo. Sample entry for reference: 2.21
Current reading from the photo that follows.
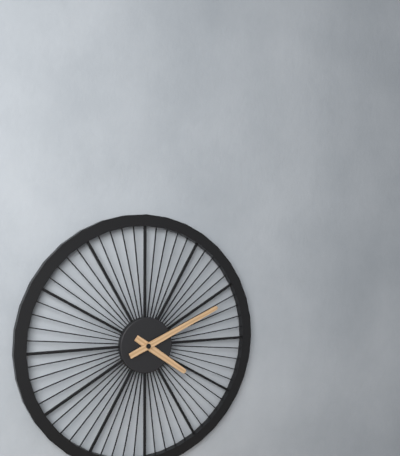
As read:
4.11
